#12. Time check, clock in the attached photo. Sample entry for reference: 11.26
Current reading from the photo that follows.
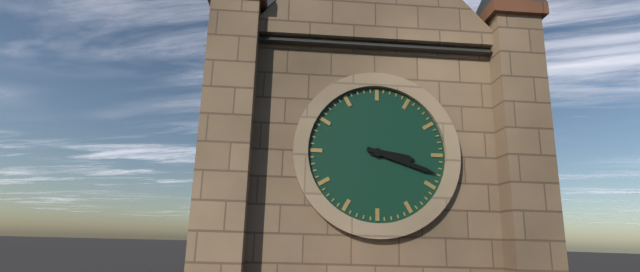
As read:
3.18
